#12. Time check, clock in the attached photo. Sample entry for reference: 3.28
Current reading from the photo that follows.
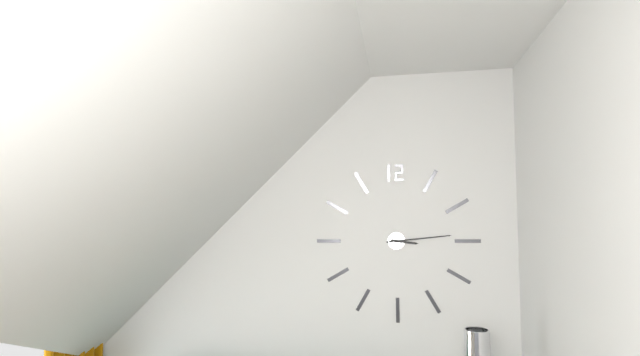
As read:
3.14
